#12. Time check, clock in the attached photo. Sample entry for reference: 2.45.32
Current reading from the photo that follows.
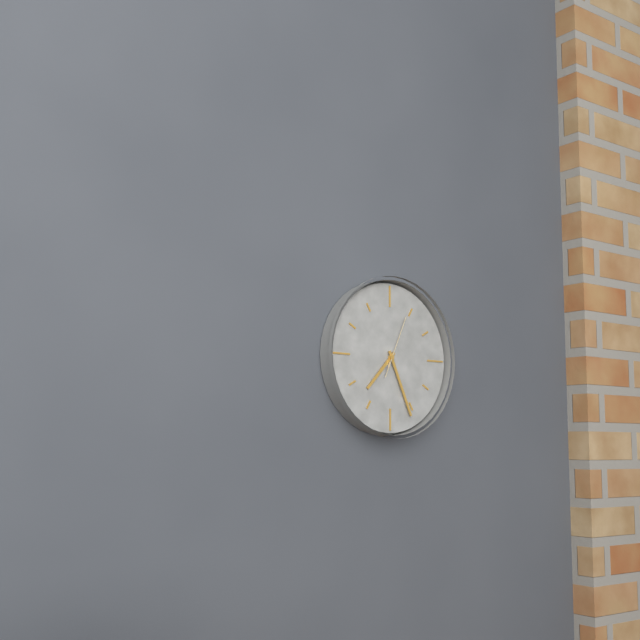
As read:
7.26.04
